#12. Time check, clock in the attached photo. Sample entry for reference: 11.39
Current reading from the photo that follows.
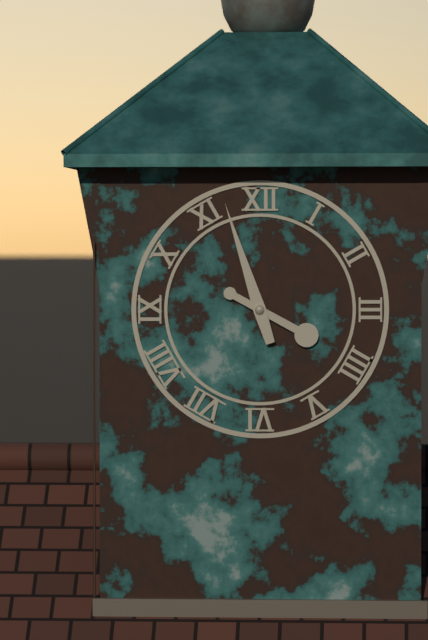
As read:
3.57
